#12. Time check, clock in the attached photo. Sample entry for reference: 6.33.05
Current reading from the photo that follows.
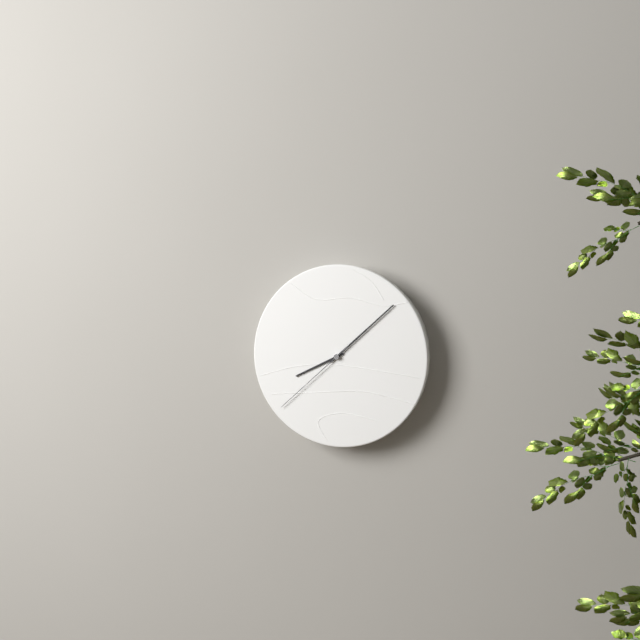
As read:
8.08.38
